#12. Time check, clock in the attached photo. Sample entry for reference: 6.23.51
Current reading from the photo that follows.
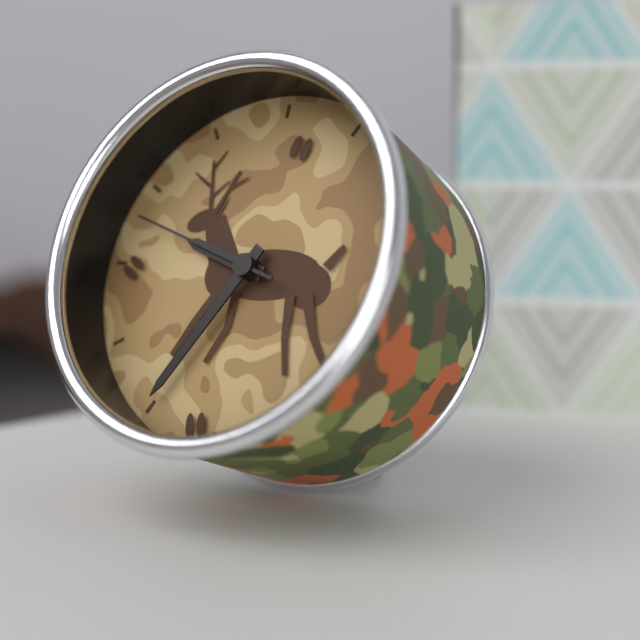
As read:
9.35.48
